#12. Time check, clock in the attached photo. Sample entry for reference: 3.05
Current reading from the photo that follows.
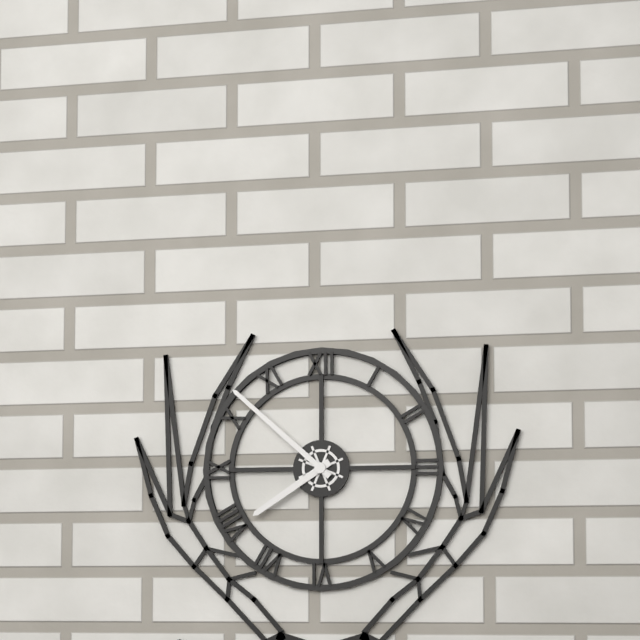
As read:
7.52
